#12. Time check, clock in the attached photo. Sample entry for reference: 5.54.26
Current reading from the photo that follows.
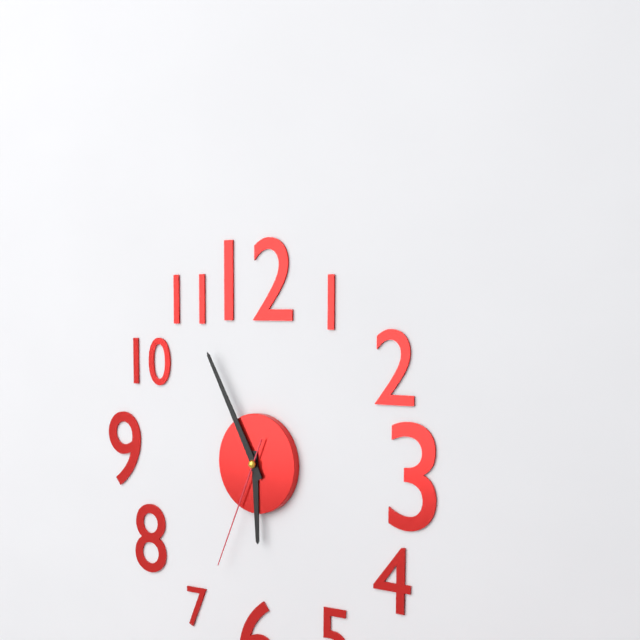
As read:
5.55.34
